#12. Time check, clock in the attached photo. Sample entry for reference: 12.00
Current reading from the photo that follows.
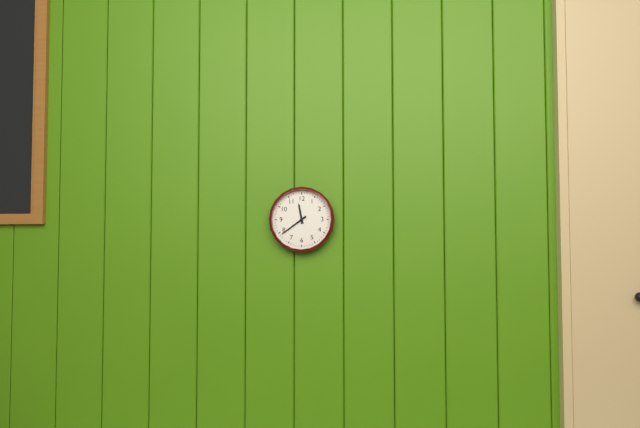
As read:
11.39
